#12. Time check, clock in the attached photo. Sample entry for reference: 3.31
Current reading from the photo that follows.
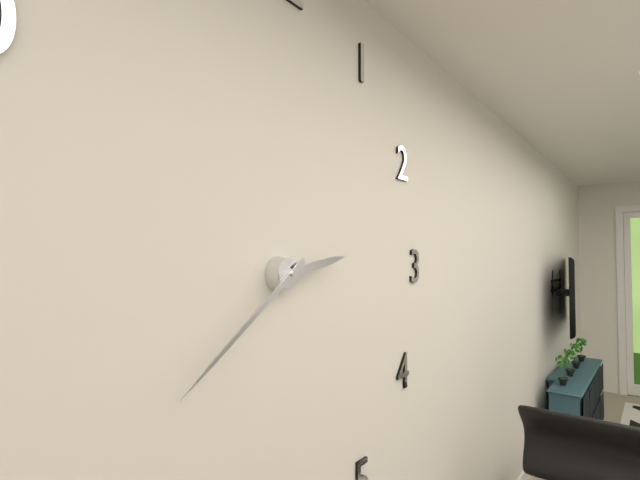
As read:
2.39
